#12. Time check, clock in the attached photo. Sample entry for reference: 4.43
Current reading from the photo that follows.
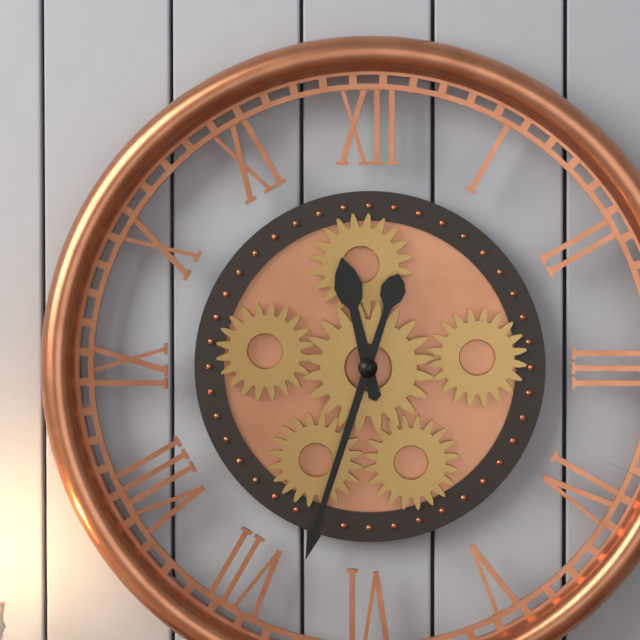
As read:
11.33
